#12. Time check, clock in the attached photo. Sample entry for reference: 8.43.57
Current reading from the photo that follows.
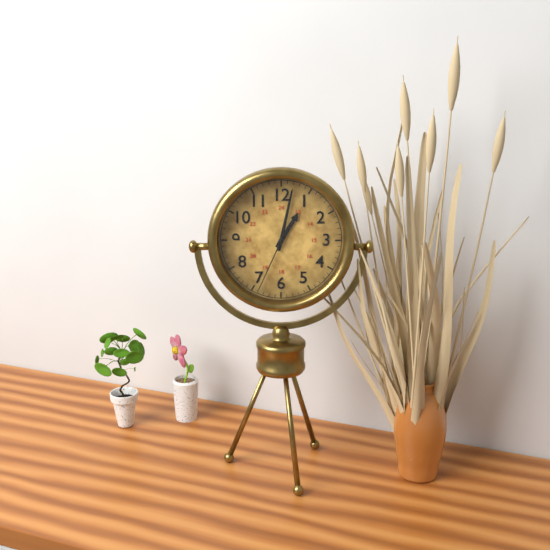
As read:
1.02.34
